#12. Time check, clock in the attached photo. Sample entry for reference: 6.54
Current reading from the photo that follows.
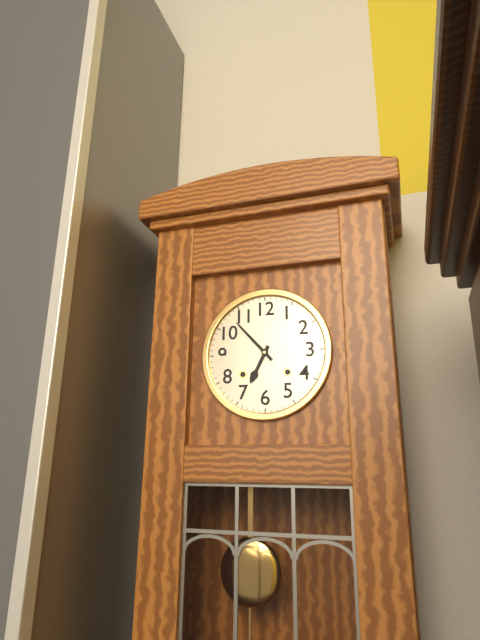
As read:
6.53
